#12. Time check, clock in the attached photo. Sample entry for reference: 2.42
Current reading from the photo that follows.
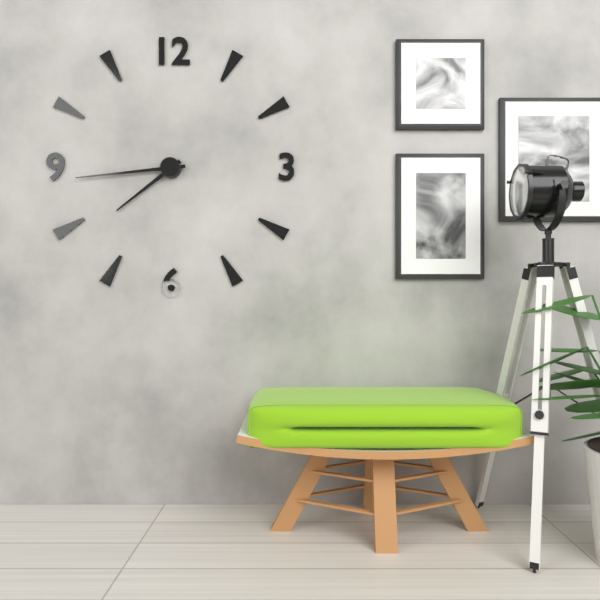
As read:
7.44
